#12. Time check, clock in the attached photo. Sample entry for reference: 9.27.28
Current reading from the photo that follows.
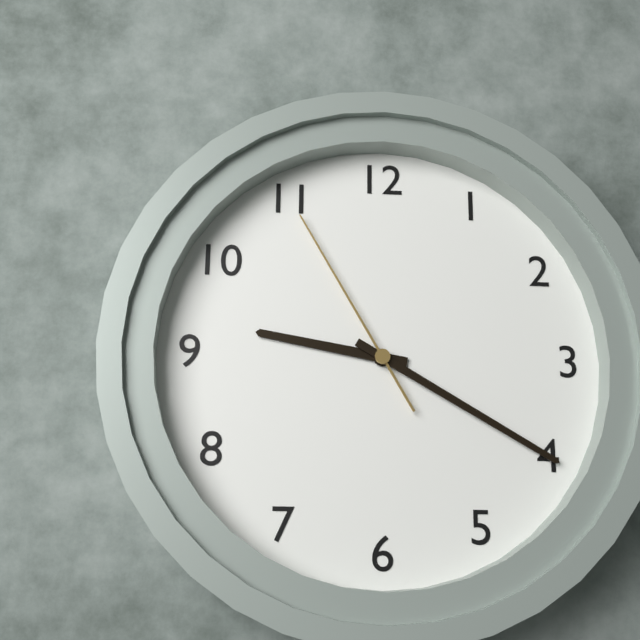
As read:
9.20.55
